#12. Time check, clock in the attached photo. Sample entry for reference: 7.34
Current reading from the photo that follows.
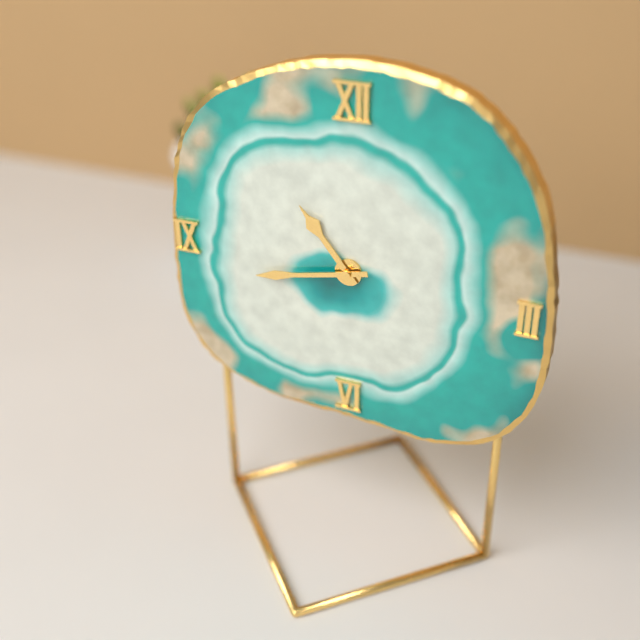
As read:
10.43
